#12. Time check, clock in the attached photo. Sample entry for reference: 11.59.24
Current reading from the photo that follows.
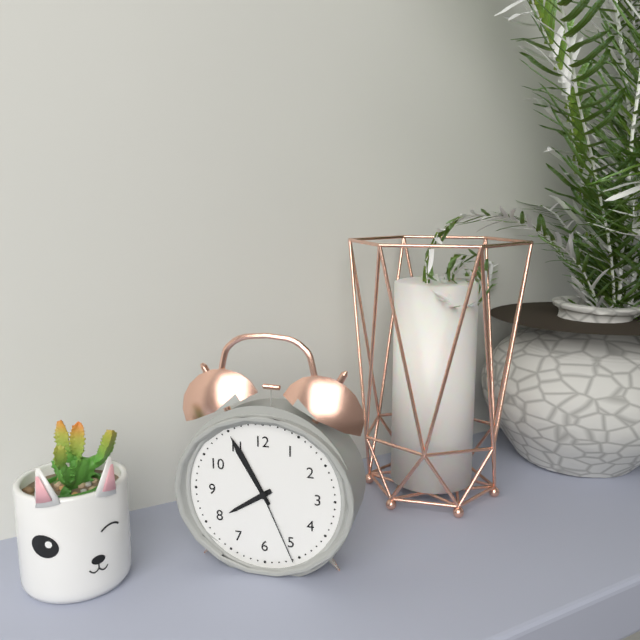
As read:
7.55.26
